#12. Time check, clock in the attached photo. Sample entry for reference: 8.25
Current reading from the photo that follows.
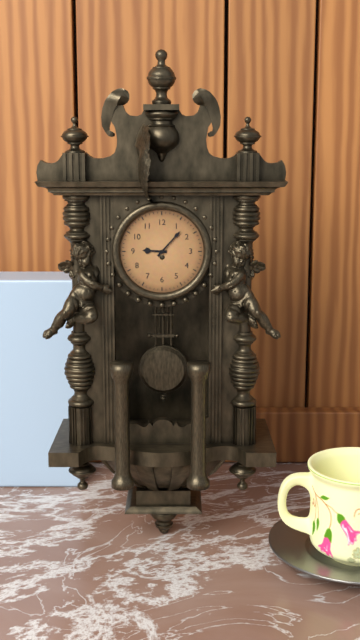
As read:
9.07
